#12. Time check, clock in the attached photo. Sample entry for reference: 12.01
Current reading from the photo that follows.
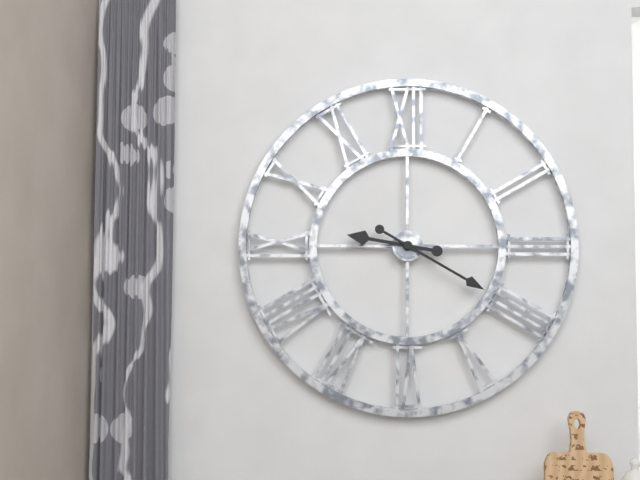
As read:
9.20
